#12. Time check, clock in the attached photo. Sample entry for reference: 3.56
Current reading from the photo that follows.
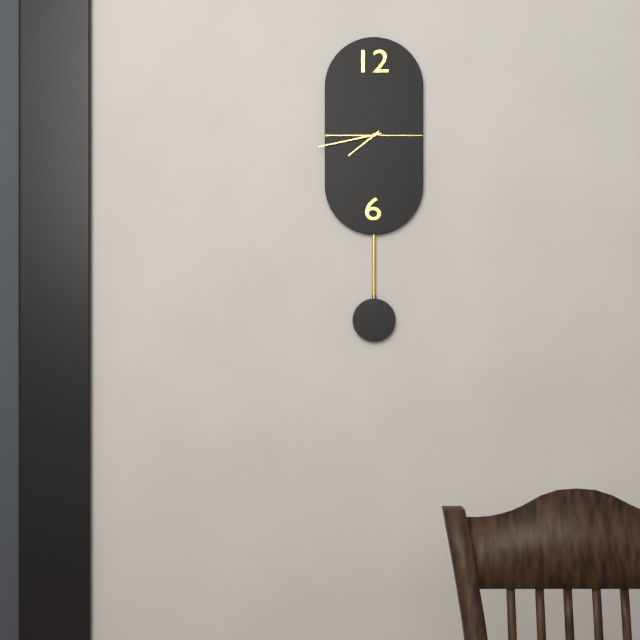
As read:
7.43
